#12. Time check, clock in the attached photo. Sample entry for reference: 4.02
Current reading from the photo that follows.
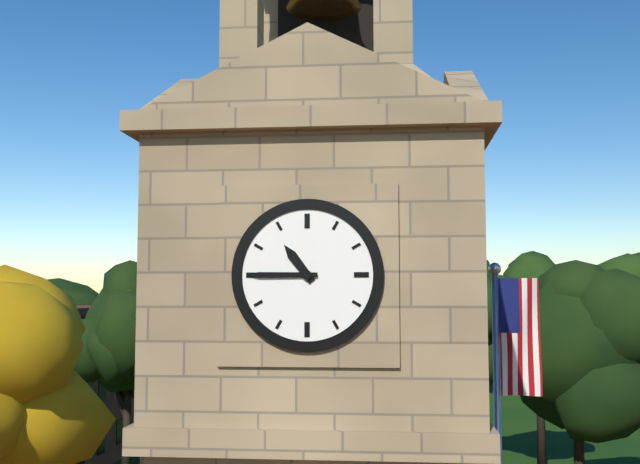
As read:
10.45
